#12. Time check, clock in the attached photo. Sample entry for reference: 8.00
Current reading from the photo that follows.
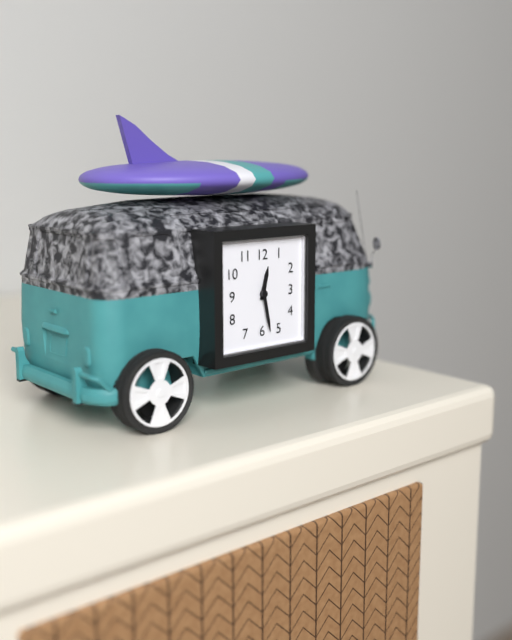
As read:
12.28
